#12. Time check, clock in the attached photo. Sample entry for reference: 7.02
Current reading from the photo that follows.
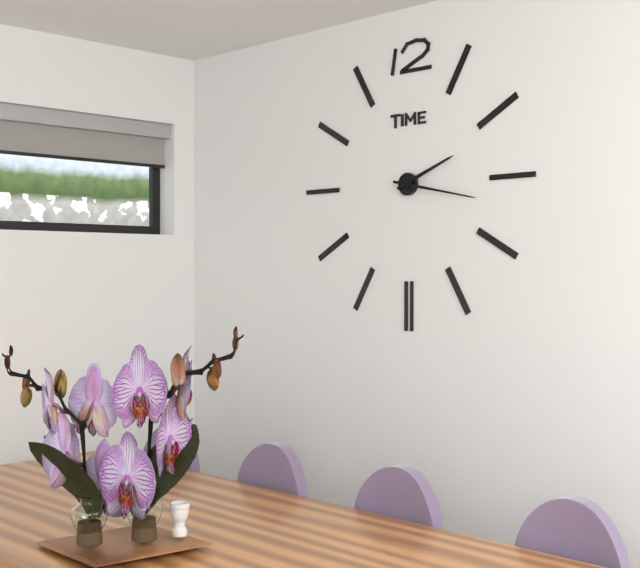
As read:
2.17
